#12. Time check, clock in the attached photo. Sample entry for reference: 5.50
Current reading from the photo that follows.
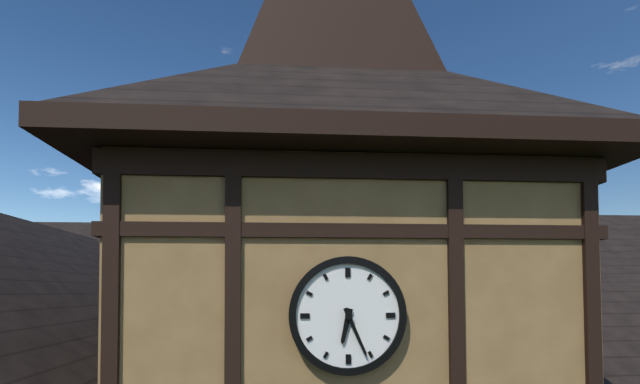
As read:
6.26
